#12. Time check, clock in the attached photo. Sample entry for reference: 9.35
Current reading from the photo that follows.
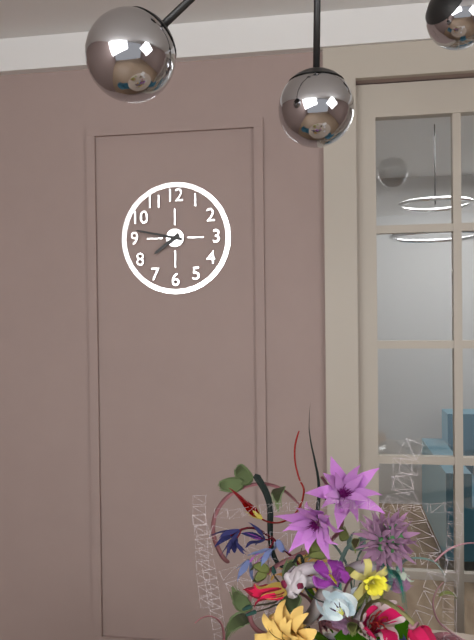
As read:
7.47
